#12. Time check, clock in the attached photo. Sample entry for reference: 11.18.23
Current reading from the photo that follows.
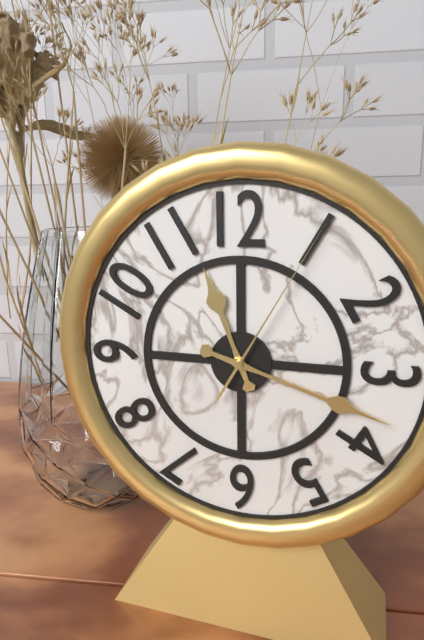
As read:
11.18.05
